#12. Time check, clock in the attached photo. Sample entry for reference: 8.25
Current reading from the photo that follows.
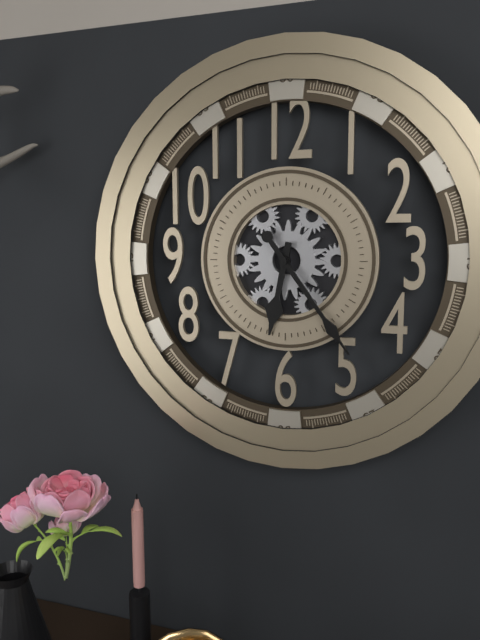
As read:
6.24
